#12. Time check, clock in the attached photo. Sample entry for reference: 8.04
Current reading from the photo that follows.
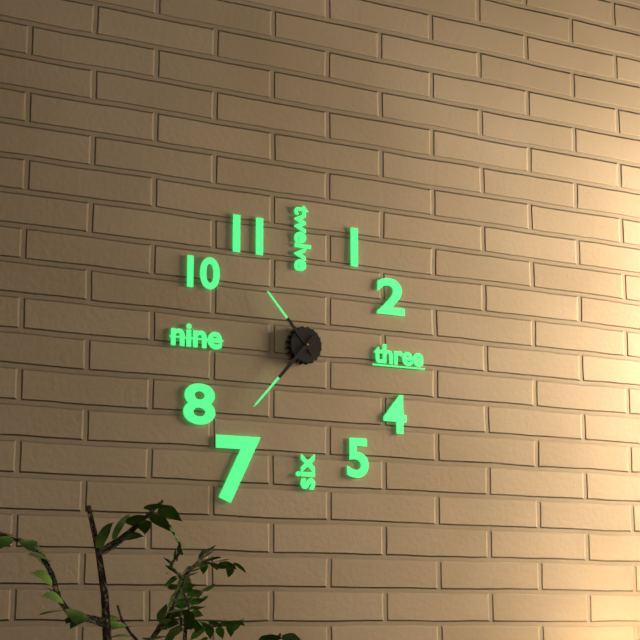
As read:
10.37
